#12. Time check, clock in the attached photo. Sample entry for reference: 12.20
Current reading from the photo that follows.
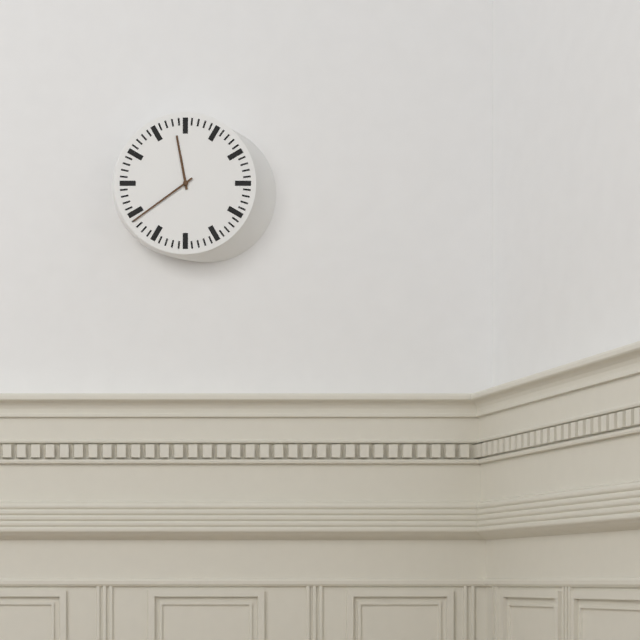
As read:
11.39
